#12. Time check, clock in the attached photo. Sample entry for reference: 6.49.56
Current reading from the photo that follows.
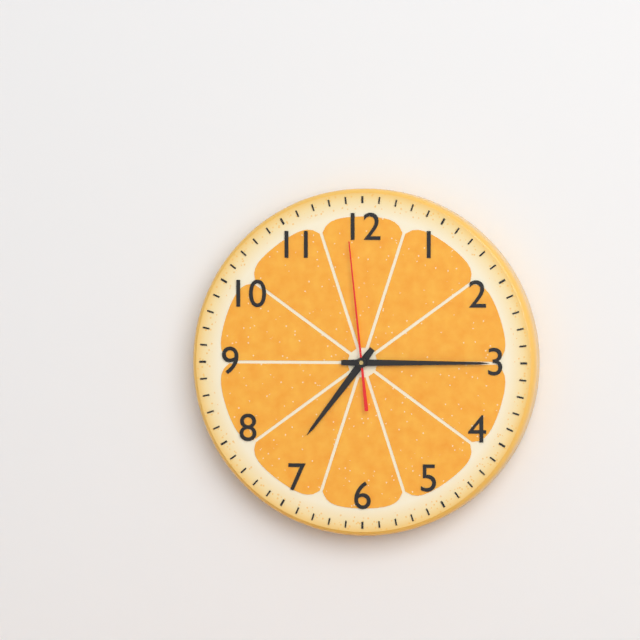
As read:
7.15.59
